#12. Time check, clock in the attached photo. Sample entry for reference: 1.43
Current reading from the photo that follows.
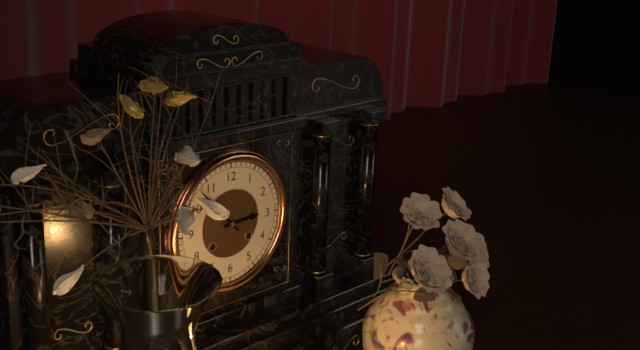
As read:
2.53
